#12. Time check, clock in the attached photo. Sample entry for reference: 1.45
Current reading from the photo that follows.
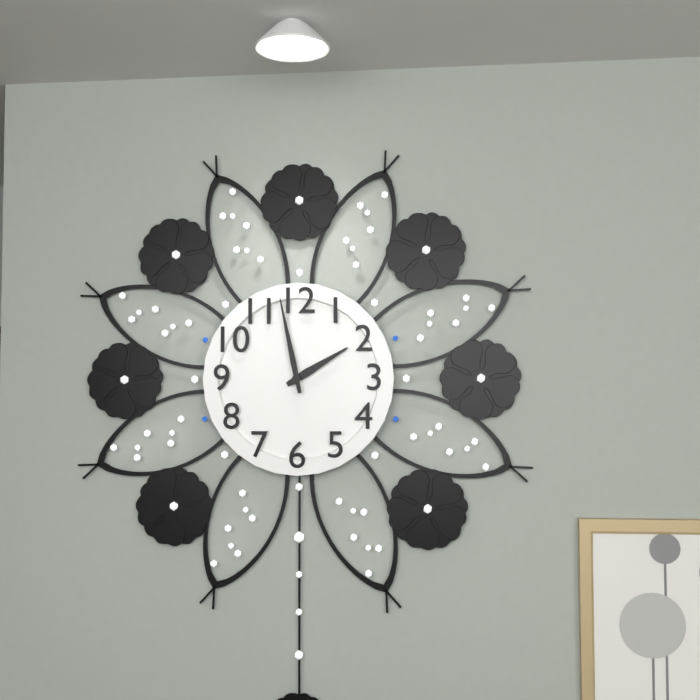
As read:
1.58
